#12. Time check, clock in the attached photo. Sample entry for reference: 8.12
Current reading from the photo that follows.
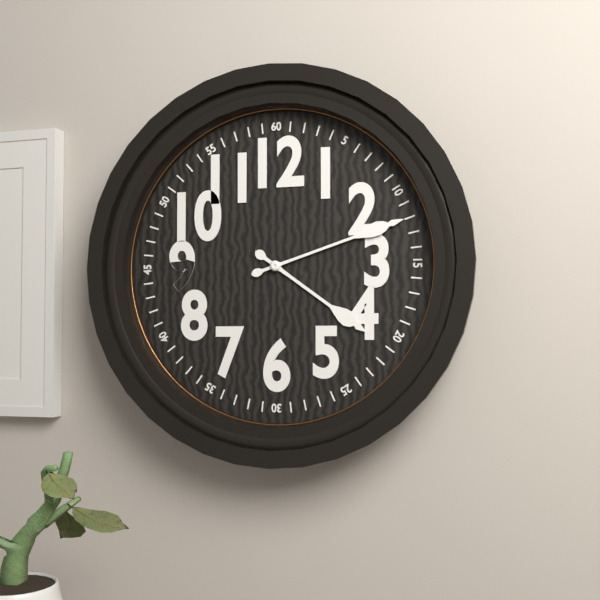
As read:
4.12
